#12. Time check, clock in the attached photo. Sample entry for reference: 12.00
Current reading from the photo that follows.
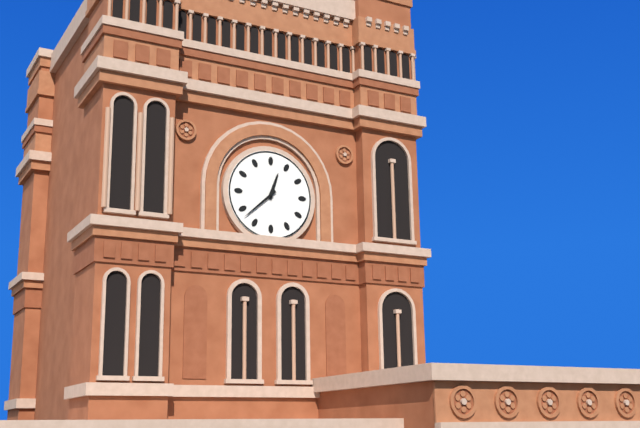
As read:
12.38
